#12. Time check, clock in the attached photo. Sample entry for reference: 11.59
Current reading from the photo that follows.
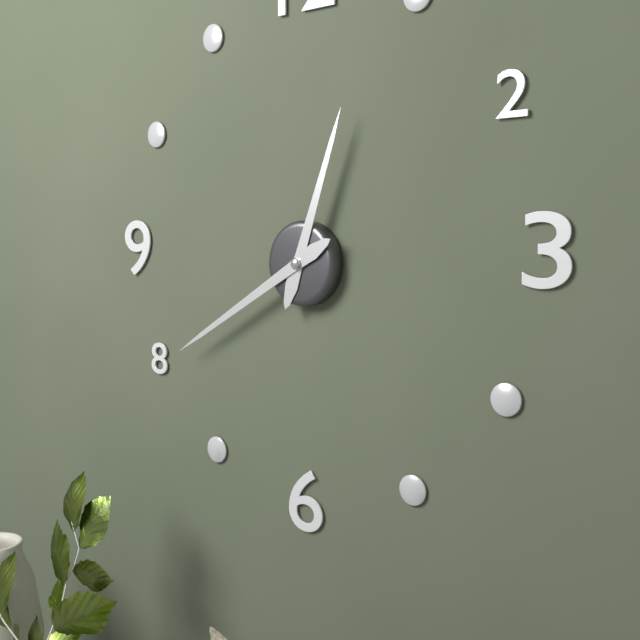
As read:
12.40
